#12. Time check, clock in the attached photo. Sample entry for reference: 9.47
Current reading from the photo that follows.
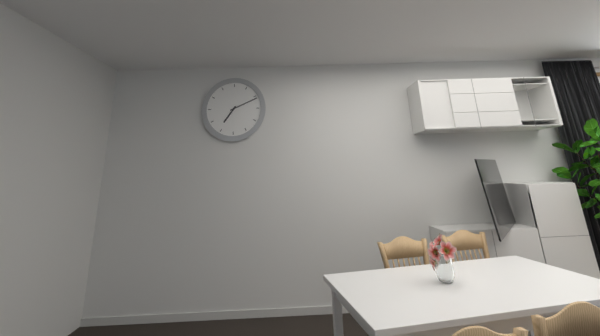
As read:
7.11
